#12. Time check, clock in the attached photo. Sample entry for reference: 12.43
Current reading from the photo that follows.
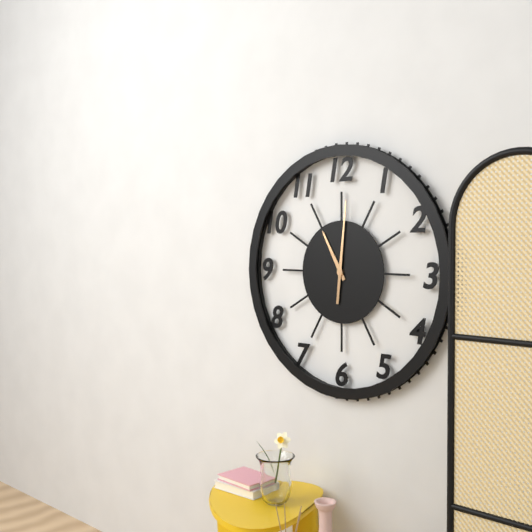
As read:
11.01
